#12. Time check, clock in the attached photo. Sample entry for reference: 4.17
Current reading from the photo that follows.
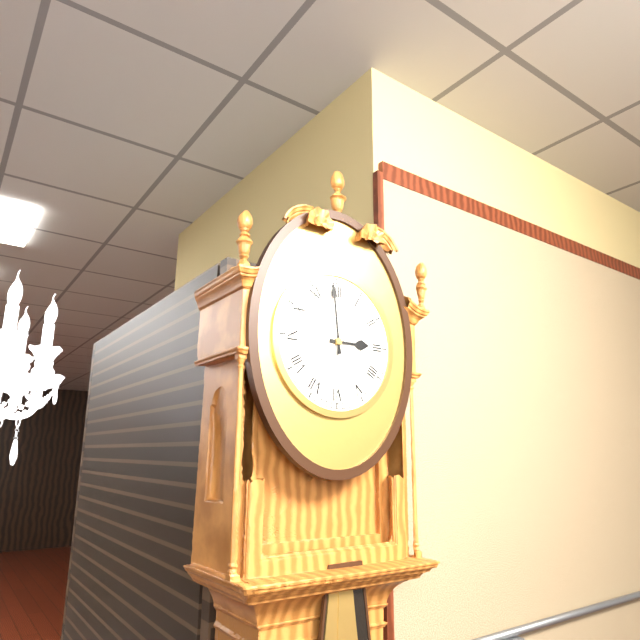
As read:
2.59
